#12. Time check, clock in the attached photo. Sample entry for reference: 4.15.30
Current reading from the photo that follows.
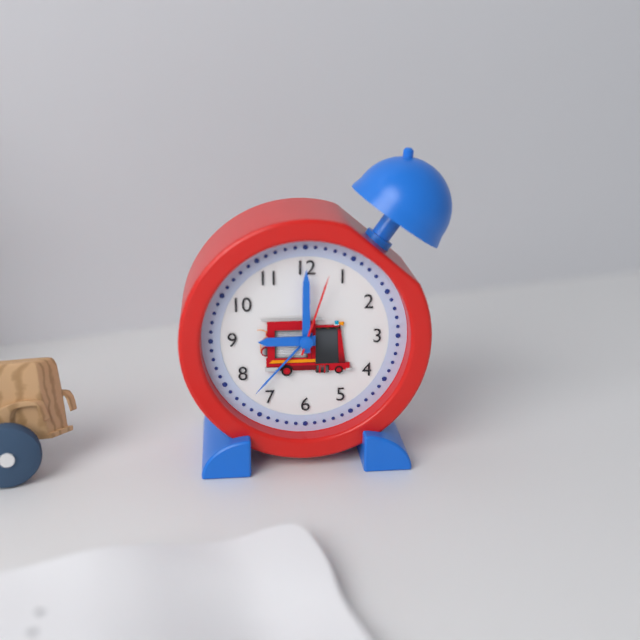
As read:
9.00.03
